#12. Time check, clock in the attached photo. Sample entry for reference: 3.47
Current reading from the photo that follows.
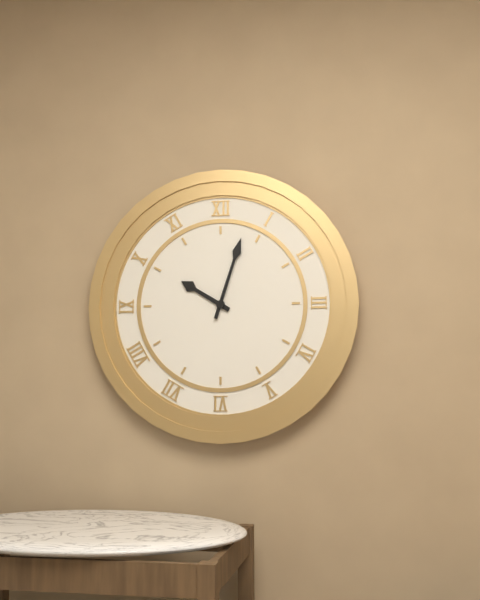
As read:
10.03
